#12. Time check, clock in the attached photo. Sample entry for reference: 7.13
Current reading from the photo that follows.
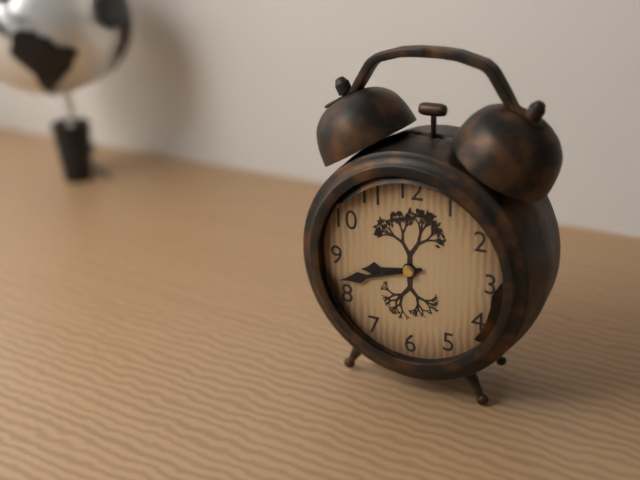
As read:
8.42
